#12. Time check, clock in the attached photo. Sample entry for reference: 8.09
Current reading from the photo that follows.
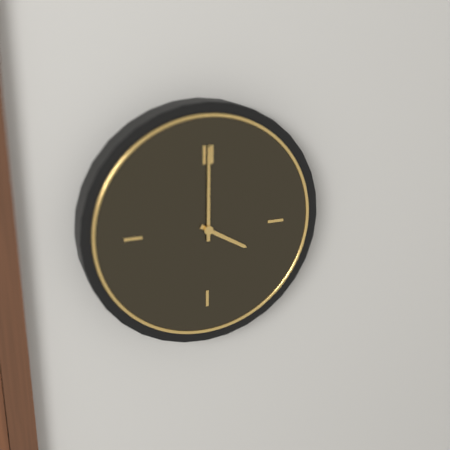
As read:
4.00
